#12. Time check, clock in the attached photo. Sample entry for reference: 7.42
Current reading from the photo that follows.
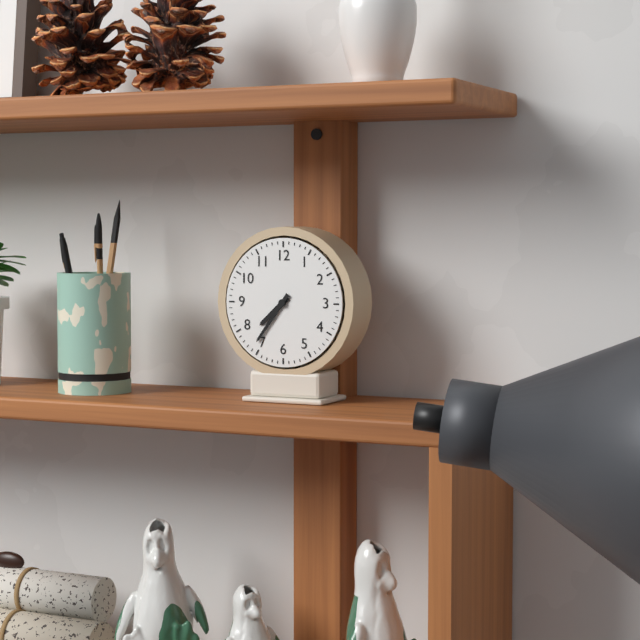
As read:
7.36
